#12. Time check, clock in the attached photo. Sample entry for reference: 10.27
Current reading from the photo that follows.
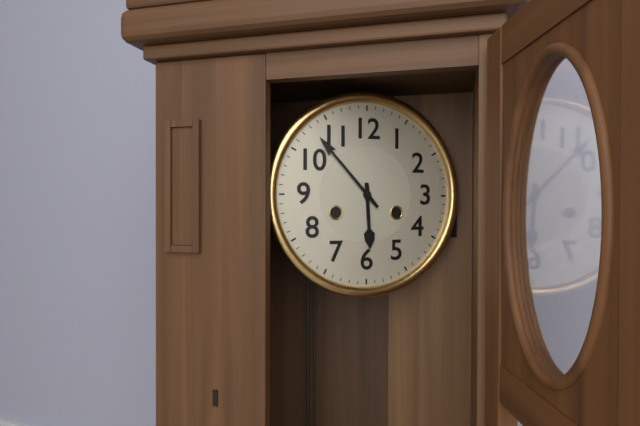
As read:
5.53
